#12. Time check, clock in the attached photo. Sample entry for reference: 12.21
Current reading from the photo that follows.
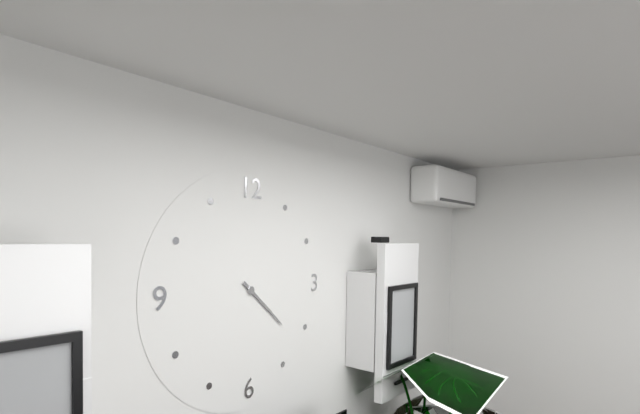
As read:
4.22
